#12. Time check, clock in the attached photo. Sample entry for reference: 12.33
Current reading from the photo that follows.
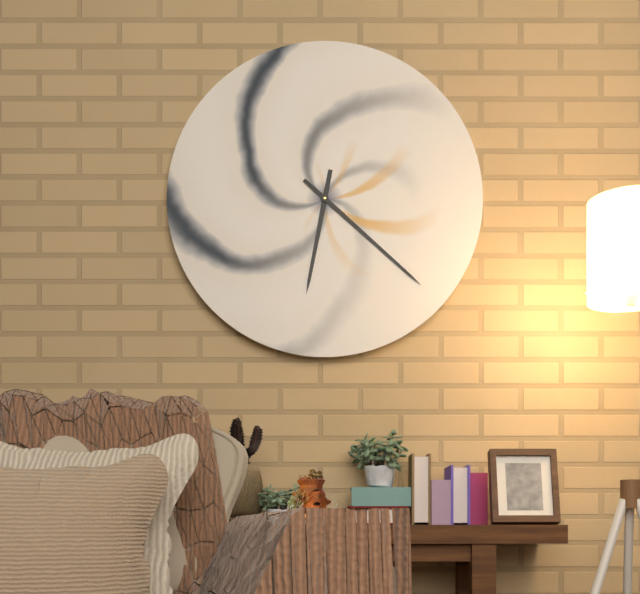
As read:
6.22
